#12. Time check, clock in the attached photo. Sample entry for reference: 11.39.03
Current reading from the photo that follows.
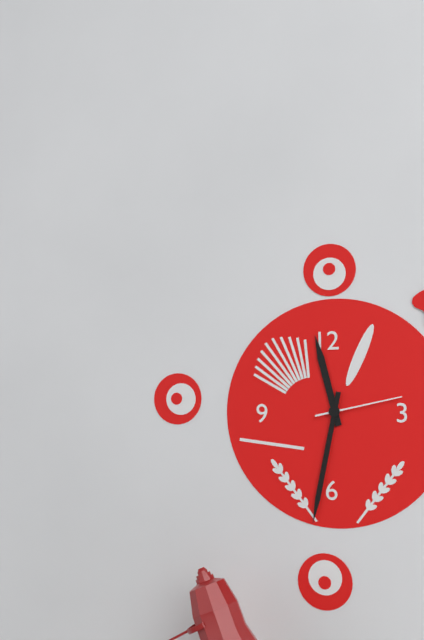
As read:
11.32.13
